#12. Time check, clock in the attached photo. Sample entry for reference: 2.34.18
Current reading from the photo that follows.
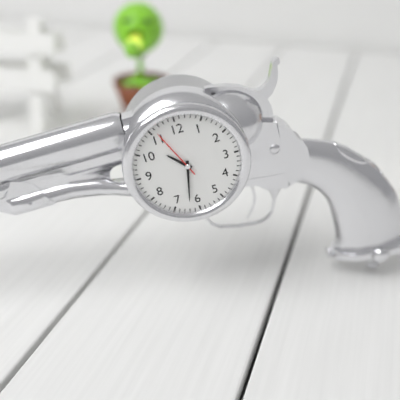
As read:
10.32.56
